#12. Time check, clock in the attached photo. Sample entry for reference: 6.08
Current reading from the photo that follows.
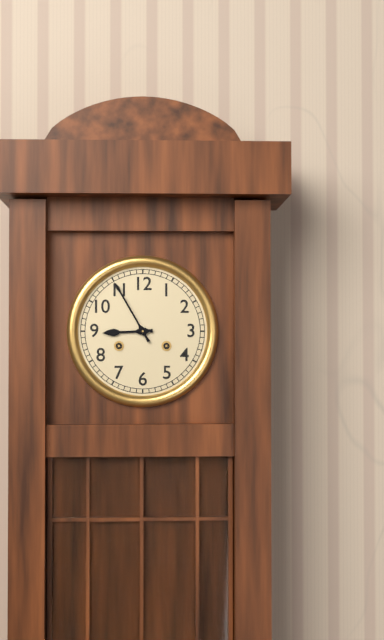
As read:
8.55
